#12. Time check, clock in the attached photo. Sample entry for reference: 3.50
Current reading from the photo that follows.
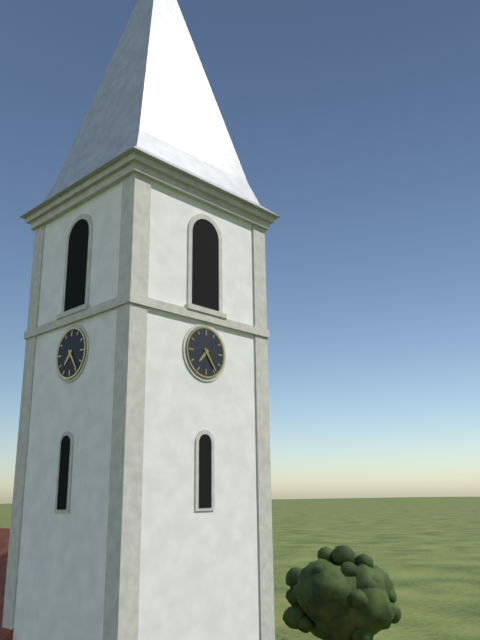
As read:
7.24
